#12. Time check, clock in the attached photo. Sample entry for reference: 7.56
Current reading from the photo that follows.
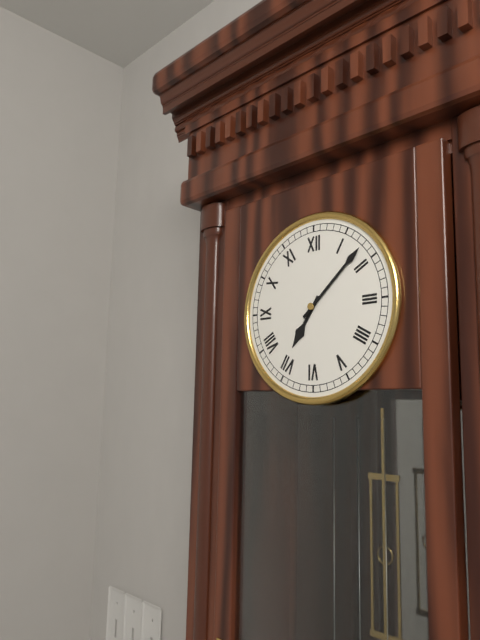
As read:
7.08
